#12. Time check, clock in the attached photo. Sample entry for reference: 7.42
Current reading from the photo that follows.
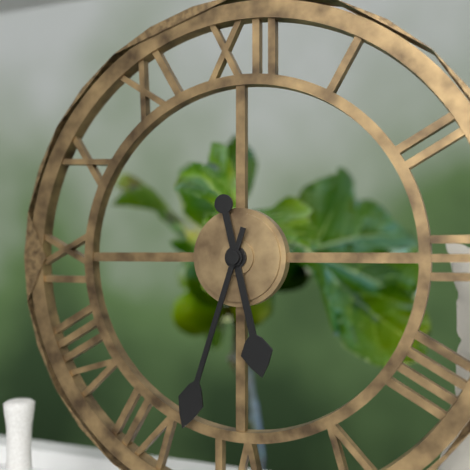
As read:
5.33
